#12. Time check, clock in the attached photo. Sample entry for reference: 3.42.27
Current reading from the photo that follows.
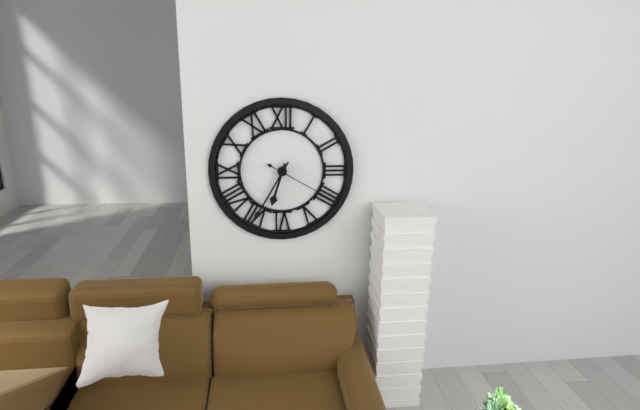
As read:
6.35.20
